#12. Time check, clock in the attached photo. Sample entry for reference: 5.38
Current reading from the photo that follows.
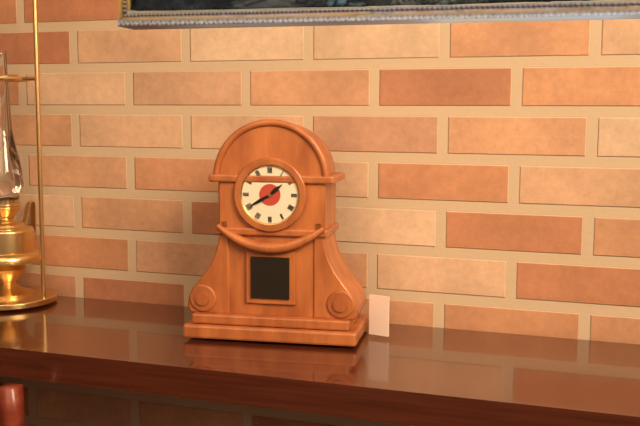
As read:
1.40
